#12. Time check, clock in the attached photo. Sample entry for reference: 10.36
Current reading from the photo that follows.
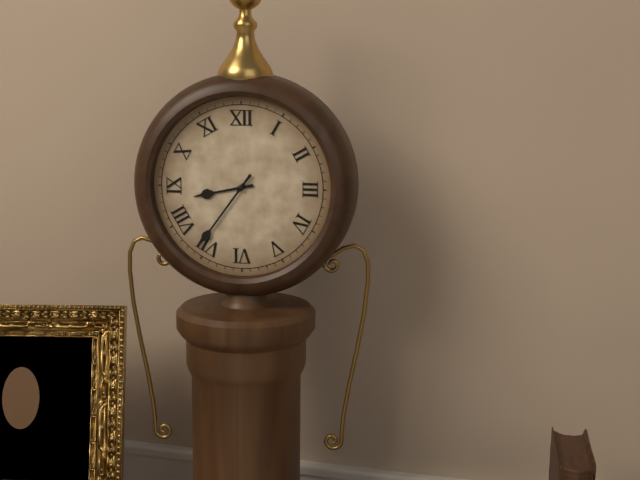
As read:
8.36
